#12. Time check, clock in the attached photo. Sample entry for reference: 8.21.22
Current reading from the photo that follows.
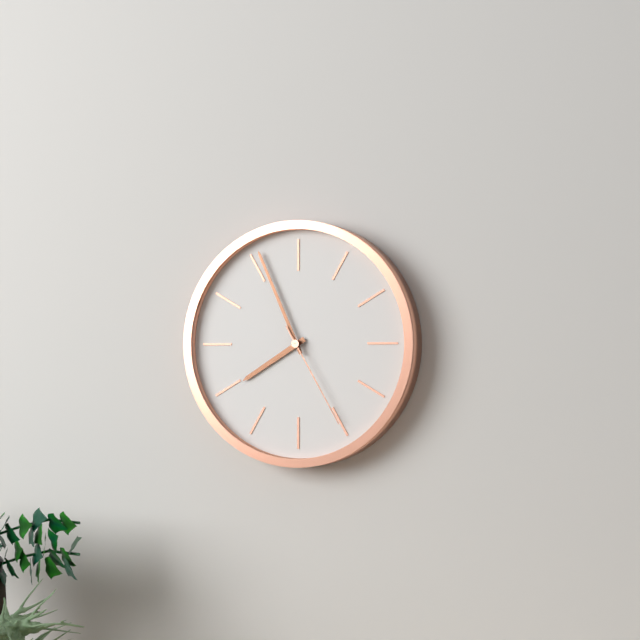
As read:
7.56.25
